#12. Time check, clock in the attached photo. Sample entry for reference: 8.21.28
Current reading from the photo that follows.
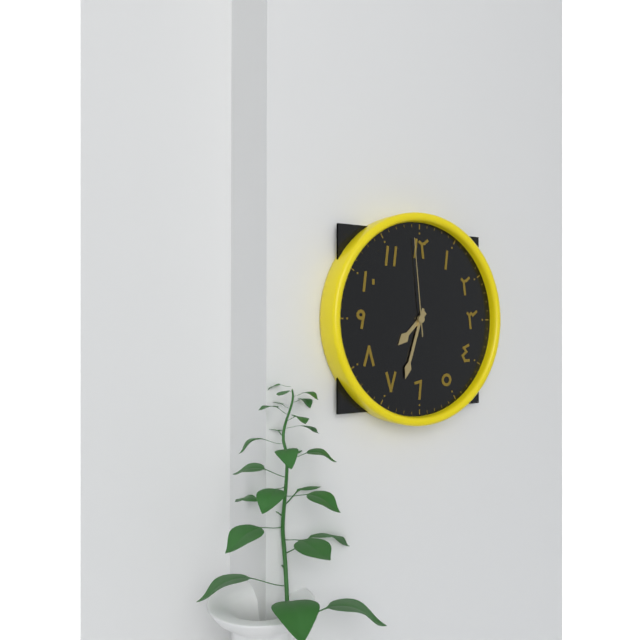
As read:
7.33.59
